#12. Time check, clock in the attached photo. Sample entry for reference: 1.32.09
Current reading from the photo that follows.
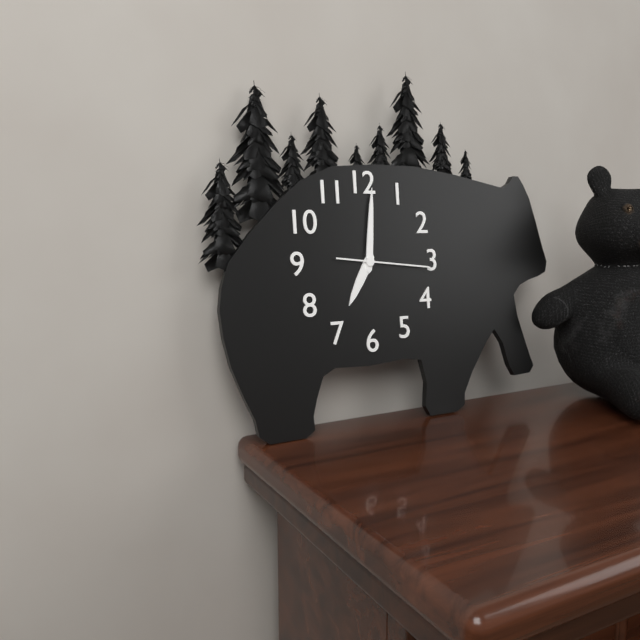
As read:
7.01.16
